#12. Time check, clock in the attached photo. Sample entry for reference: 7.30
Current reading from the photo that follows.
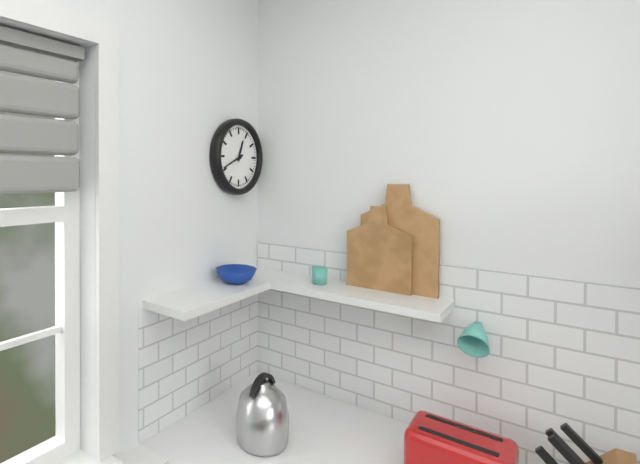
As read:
12.41
